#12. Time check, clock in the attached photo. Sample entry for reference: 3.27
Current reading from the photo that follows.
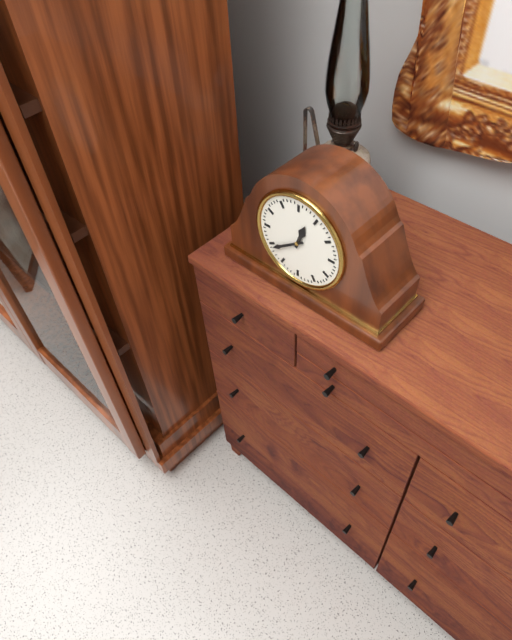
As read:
12.39
